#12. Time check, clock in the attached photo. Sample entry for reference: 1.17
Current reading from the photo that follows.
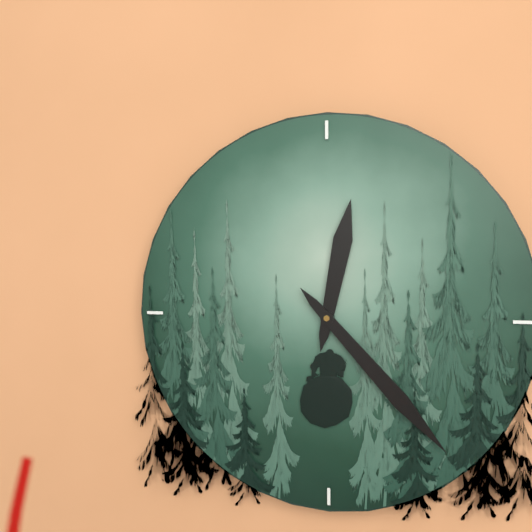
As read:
12.23
